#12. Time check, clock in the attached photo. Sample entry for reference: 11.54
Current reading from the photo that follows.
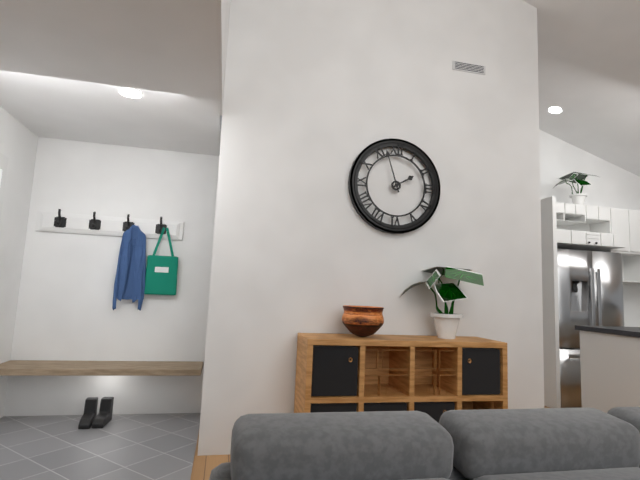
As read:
1.57
